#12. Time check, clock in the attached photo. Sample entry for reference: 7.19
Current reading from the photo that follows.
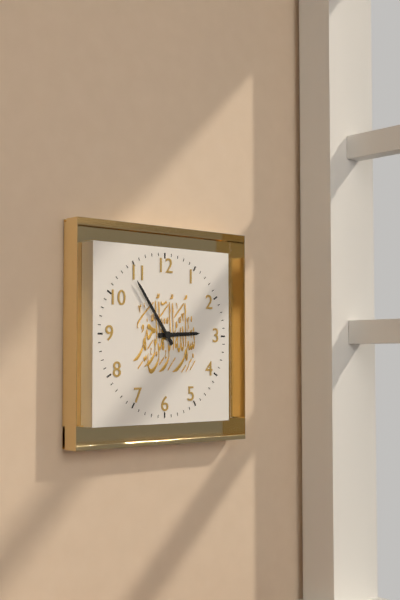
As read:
2.54
